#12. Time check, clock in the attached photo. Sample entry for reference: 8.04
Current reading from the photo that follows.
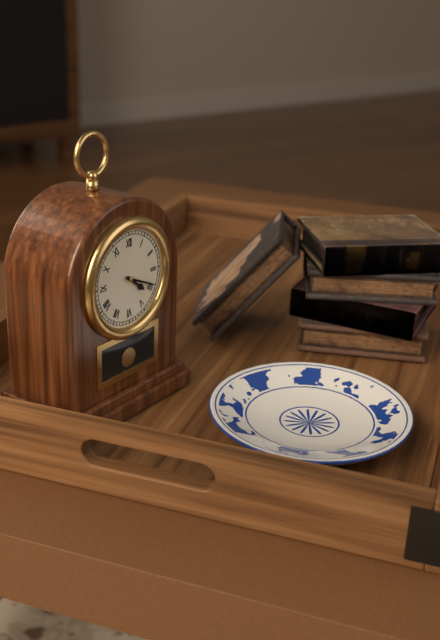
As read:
4.19
